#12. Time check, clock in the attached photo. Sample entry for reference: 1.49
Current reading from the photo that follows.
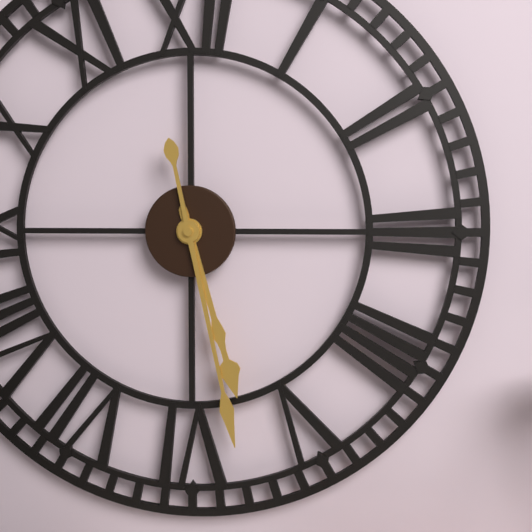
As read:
5.28
